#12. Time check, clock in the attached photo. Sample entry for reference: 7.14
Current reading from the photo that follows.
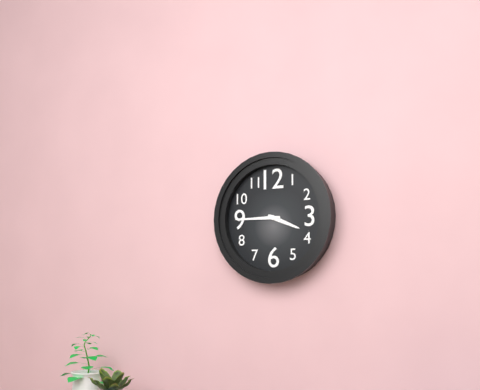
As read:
3.45
